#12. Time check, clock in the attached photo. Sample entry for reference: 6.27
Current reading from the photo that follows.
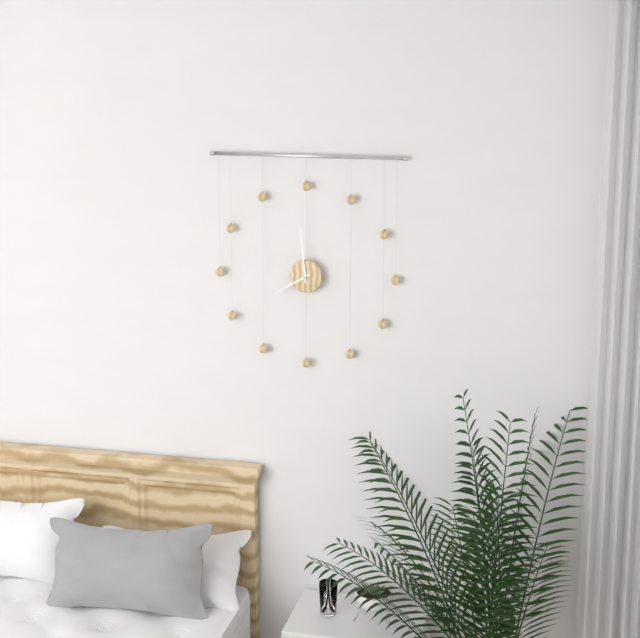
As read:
7.59
